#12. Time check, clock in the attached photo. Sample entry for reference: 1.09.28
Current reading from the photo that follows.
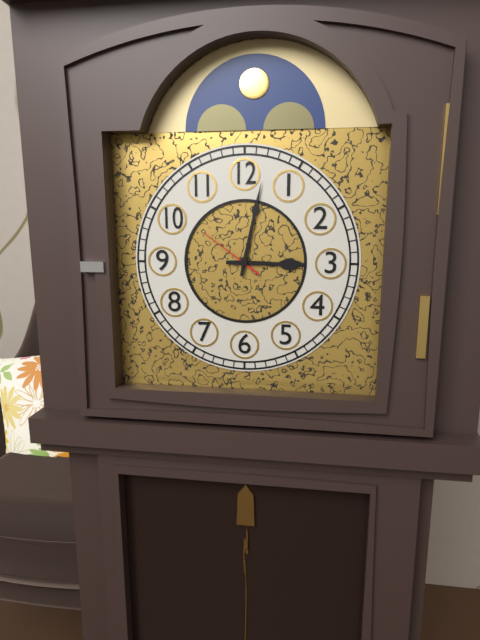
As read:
3.02.51
